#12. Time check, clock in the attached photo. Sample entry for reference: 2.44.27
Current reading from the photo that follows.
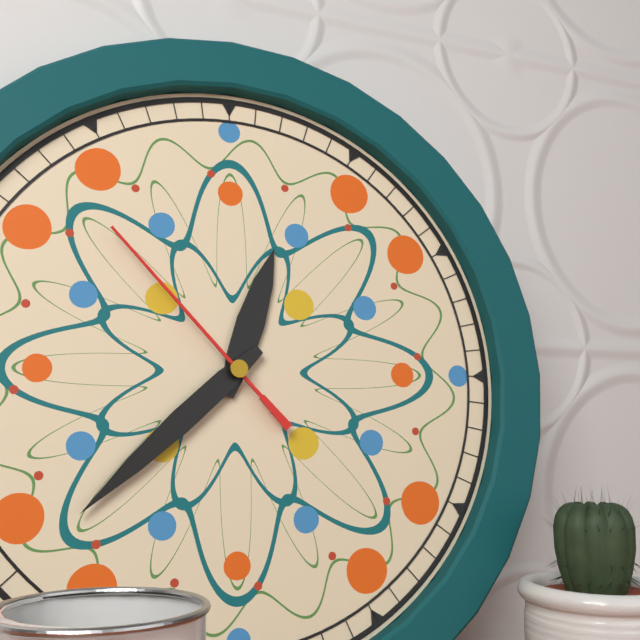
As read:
12.38.53
